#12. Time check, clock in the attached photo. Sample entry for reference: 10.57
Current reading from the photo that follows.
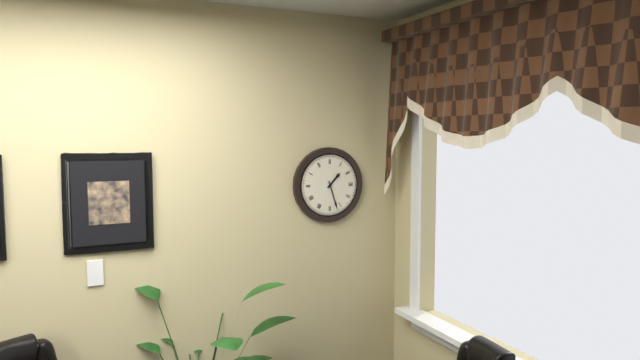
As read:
1.27
